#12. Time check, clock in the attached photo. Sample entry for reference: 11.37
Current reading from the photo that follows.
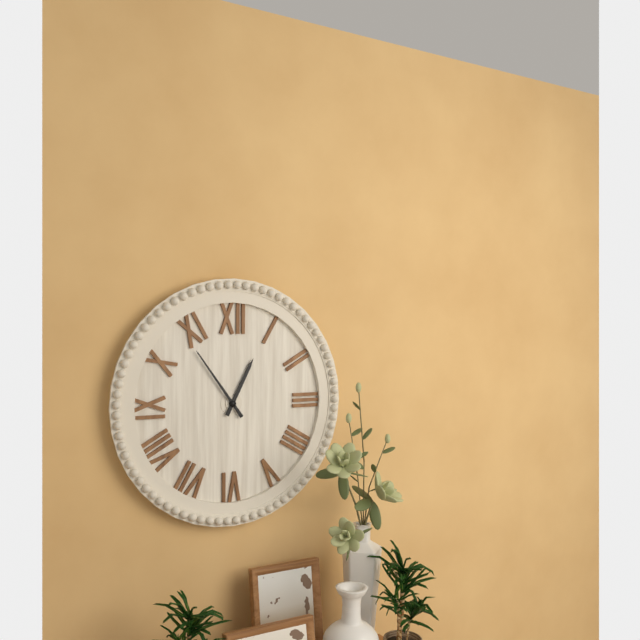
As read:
12.54
